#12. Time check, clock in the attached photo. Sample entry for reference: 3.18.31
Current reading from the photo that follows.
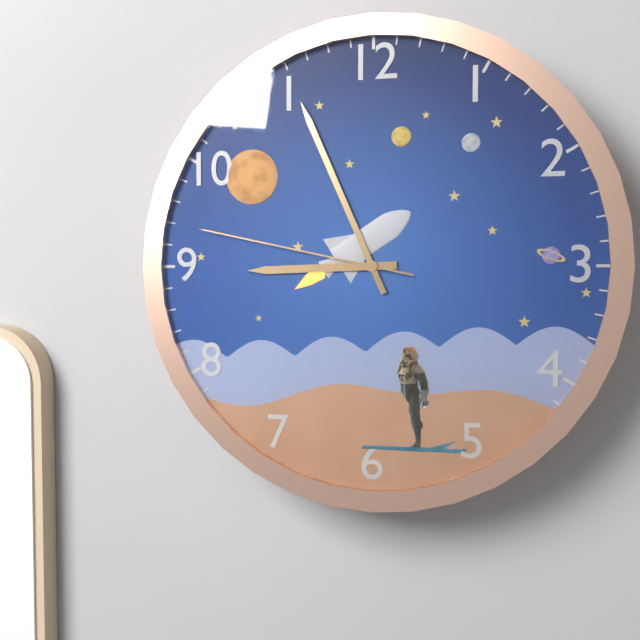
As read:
8.56.47
